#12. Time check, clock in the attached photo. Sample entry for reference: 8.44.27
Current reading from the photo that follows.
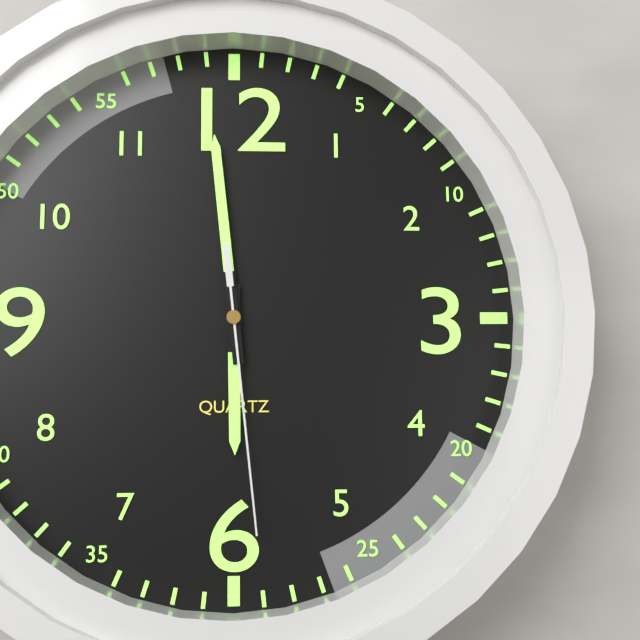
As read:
5.59.29
